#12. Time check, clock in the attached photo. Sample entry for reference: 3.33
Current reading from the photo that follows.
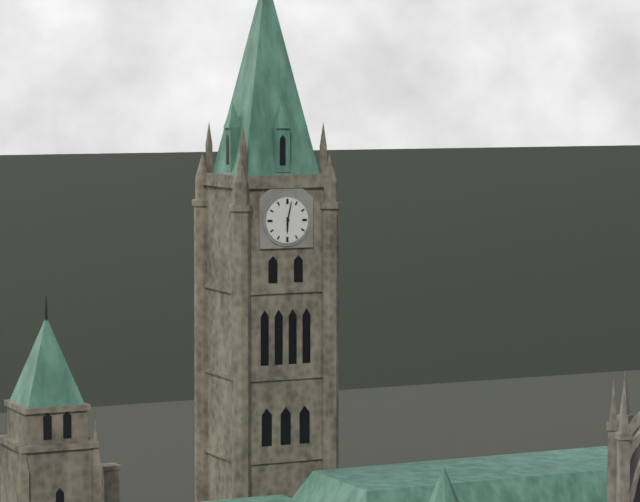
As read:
6.02
